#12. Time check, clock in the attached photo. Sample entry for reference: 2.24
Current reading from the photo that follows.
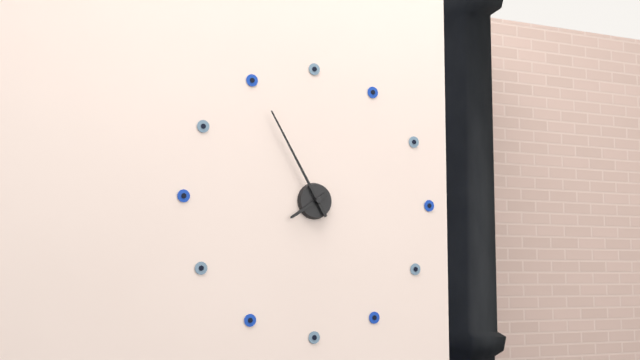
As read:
7.55
